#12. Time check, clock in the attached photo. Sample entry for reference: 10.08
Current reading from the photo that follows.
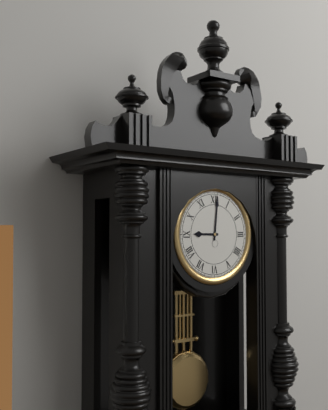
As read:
9.01
